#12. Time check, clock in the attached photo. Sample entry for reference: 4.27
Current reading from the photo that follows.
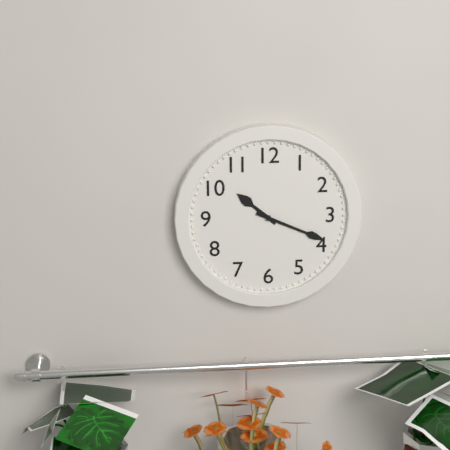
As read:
10.19
